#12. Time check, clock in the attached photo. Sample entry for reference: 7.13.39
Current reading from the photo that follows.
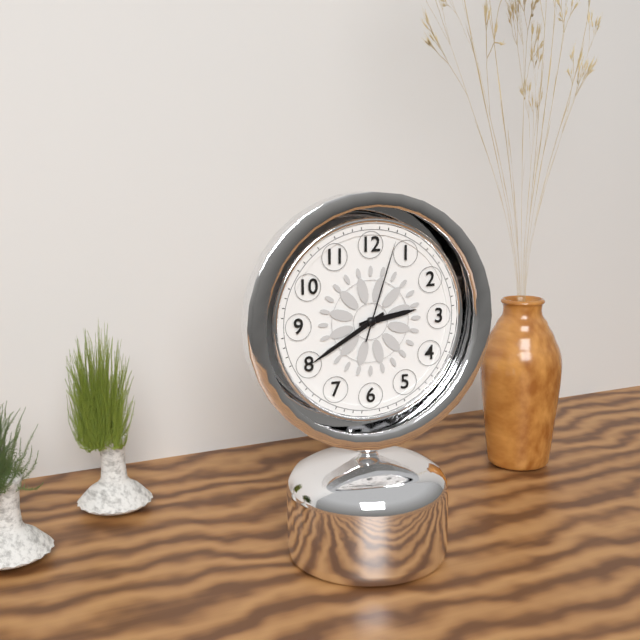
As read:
2.40.03
